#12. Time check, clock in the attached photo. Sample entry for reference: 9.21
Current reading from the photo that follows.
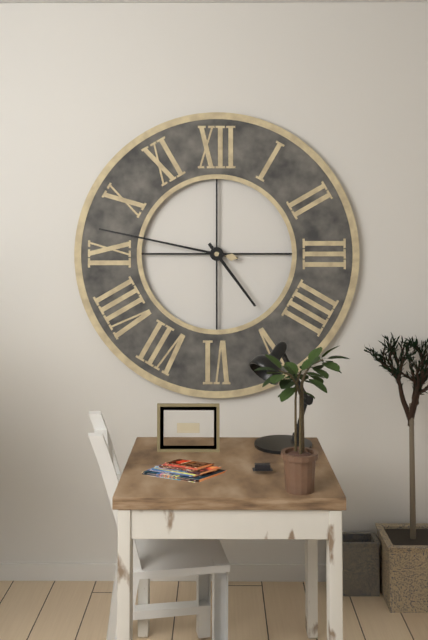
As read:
4.47
